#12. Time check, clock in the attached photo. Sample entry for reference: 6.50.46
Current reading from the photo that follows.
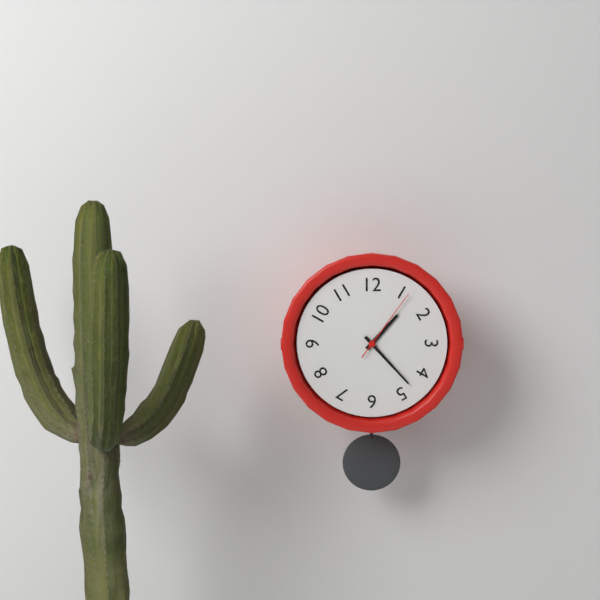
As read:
1.23.06
